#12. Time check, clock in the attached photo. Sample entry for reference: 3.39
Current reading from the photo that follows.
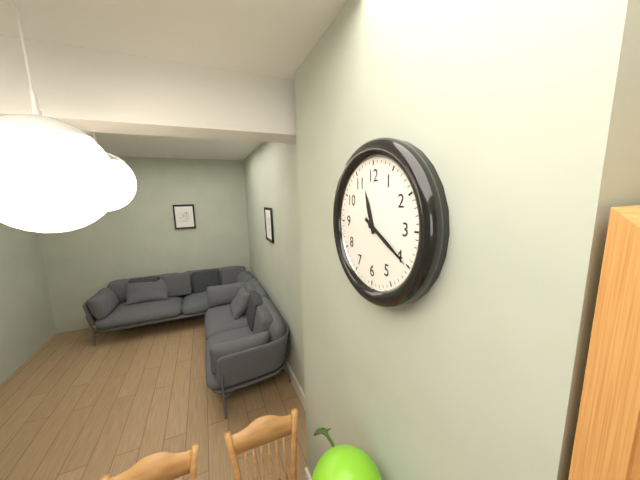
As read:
11.20
